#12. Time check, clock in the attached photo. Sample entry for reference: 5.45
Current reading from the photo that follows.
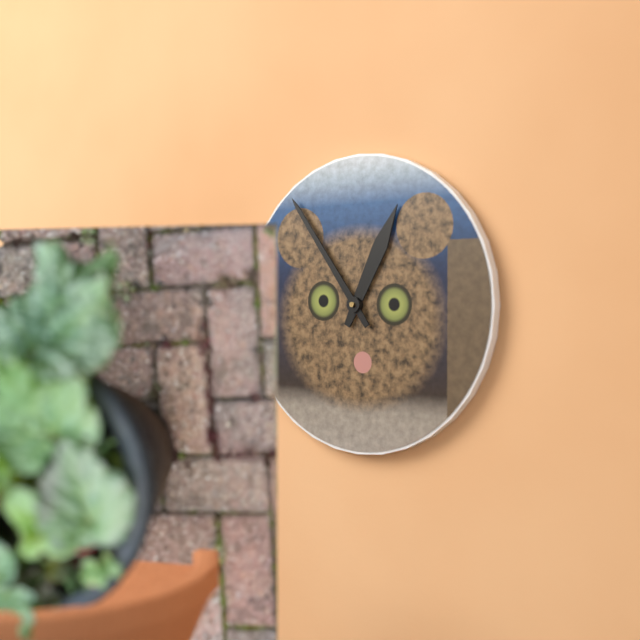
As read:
12.54
